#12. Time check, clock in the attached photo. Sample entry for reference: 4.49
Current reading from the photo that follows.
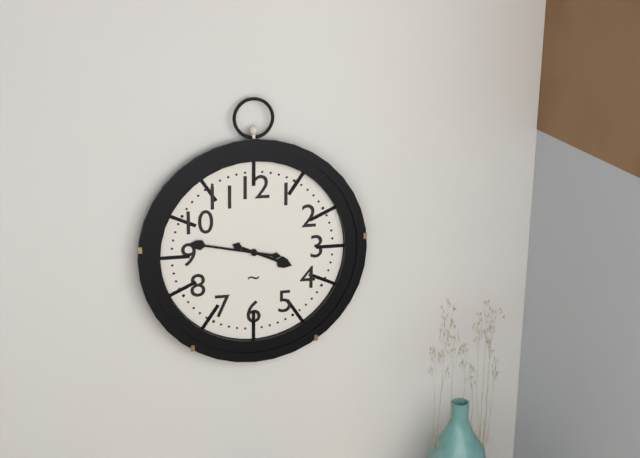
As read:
3.47
